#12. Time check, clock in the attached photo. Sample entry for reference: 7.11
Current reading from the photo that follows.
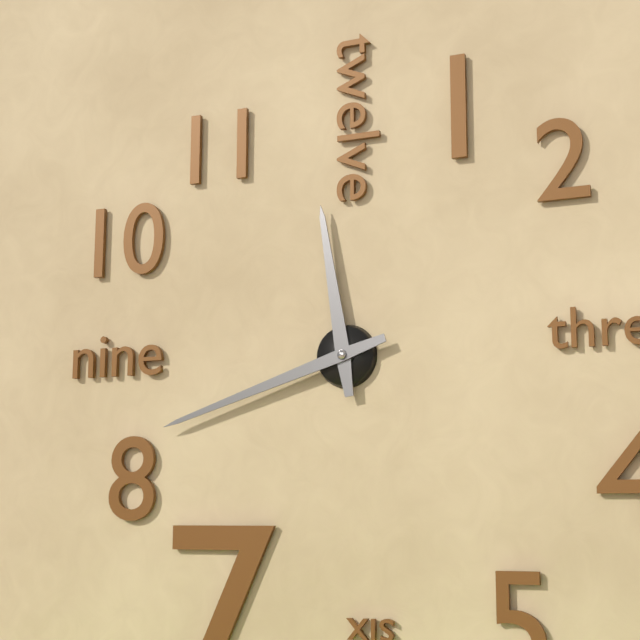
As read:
11.42
